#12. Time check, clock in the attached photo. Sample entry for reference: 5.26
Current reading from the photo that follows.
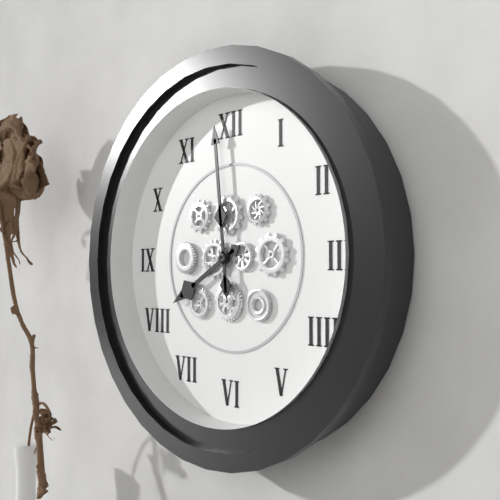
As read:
7.59
